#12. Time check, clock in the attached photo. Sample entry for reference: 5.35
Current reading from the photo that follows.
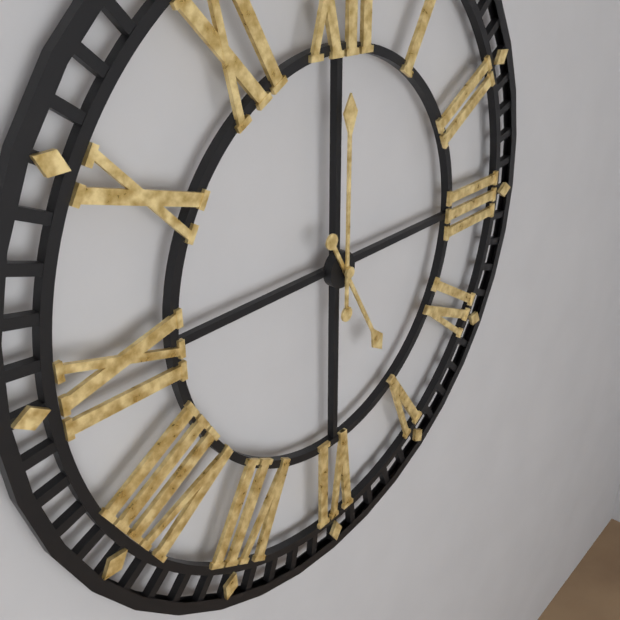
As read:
5.00
